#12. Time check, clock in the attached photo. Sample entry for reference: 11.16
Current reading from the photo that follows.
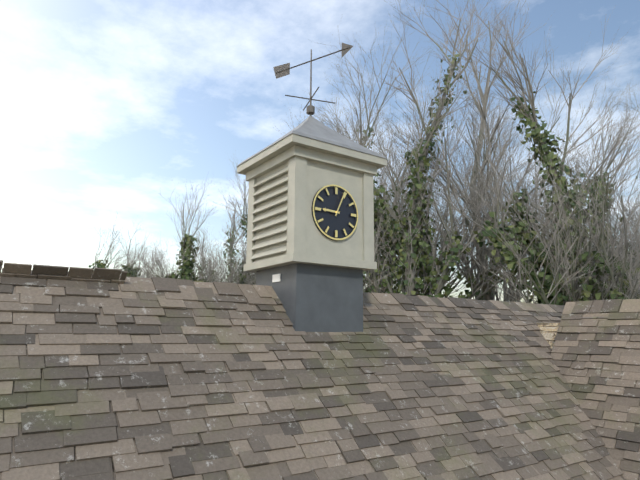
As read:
9.04
